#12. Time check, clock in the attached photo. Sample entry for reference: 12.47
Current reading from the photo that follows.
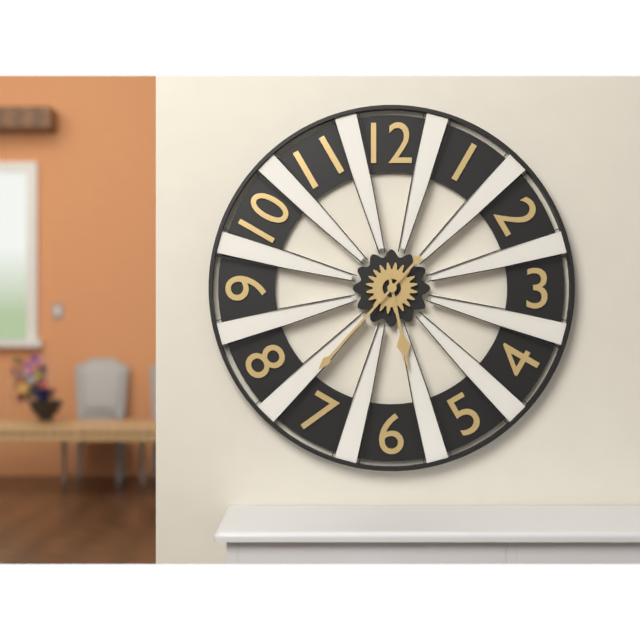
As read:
5.37
